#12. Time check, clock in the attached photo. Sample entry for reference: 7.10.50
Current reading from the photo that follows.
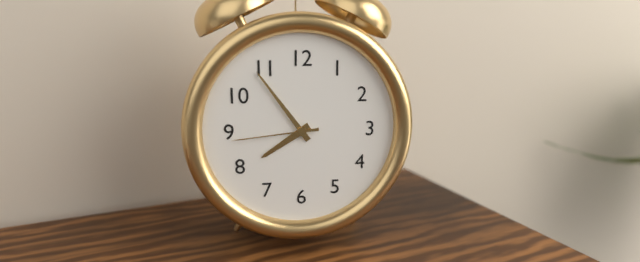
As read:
7.54.44
